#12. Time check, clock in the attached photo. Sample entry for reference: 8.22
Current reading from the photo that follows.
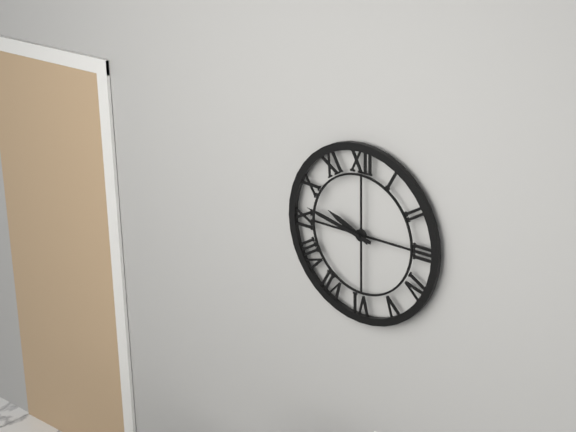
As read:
9.47
